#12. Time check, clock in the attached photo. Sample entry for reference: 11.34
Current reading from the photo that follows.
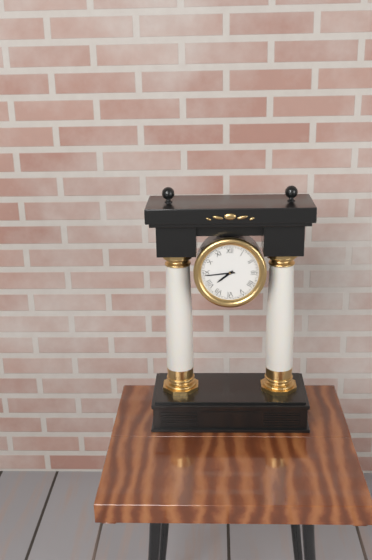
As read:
7.44
